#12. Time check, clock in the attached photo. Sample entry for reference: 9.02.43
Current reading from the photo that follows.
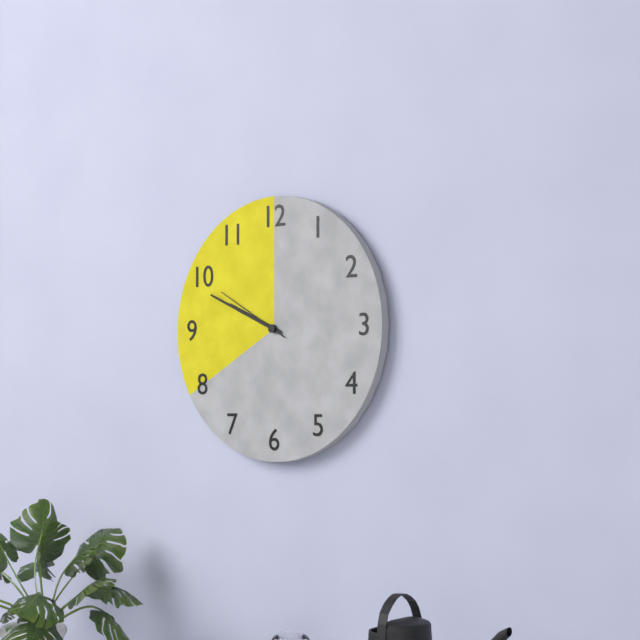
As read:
9.49.50
